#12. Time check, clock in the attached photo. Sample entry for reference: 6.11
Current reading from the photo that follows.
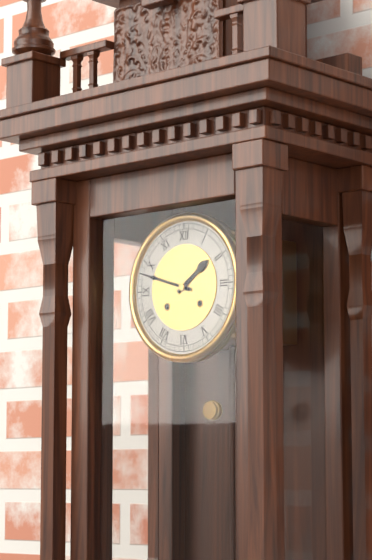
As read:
1.48
